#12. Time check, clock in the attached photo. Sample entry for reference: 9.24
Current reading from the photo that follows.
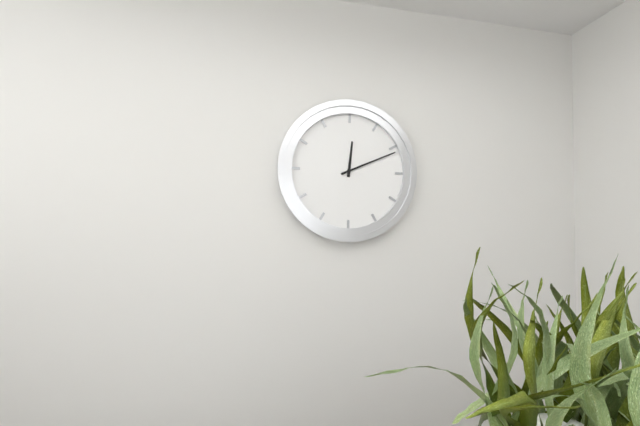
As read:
12.11
